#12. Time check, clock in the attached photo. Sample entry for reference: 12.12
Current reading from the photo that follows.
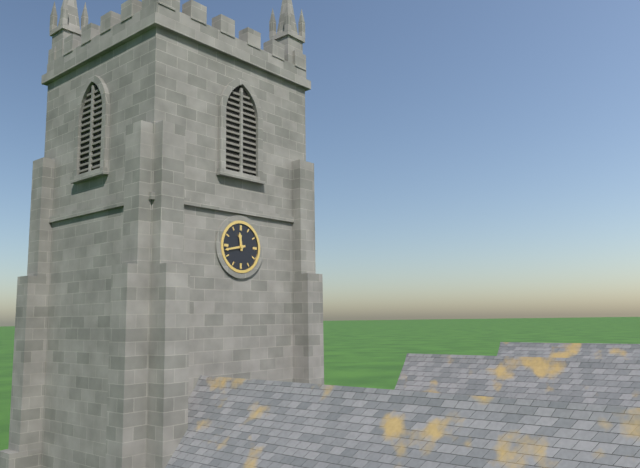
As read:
11.43
